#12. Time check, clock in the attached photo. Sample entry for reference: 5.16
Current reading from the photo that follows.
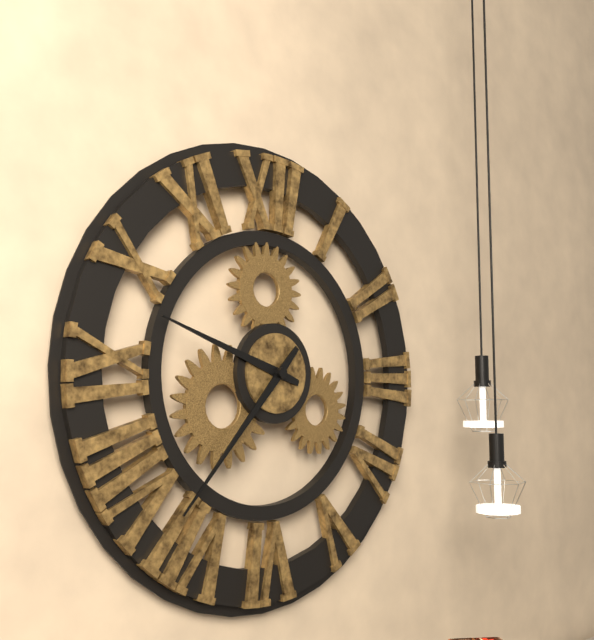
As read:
9.37
